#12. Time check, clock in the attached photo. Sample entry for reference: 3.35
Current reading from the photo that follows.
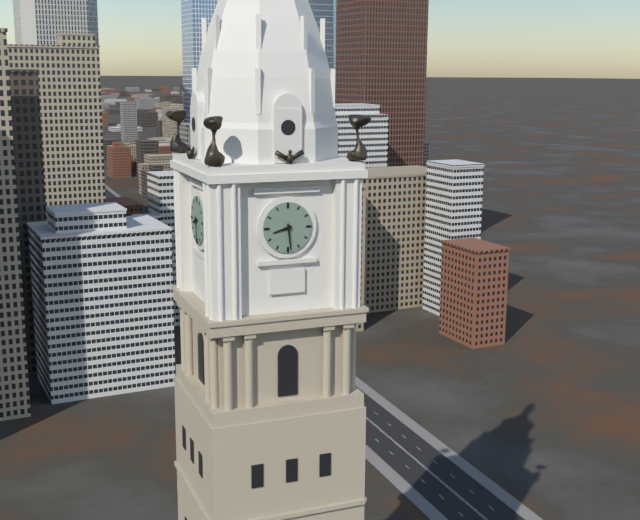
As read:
8.29
